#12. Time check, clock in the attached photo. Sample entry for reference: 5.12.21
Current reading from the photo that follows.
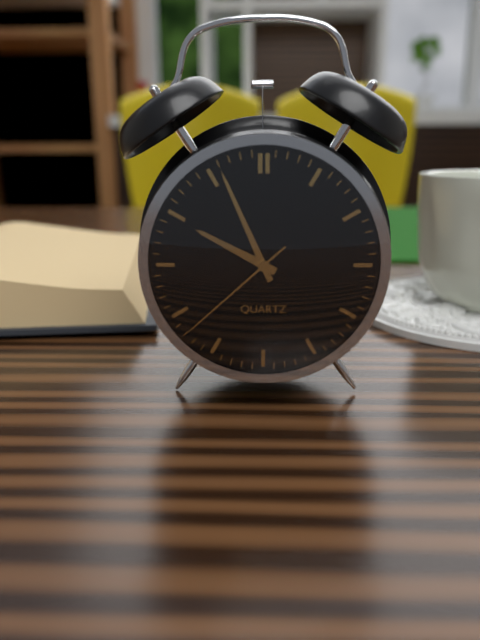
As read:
9.56.38
